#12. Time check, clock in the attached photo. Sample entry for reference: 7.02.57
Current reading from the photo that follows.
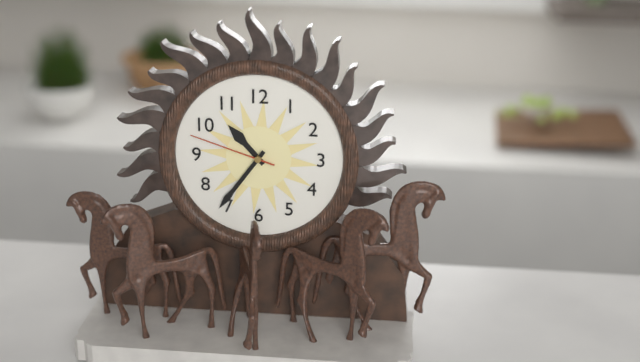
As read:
10.36.48
